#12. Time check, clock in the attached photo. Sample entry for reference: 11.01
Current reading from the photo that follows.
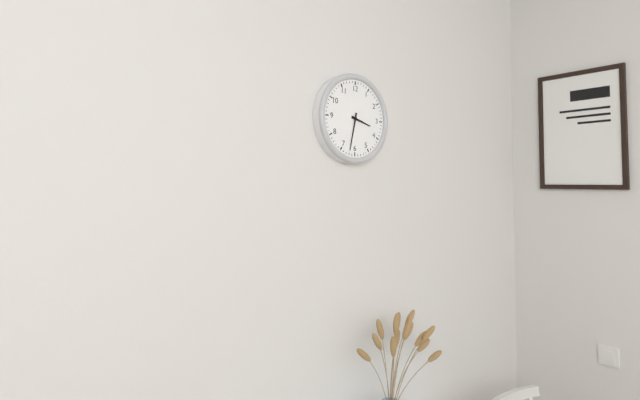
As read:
3.32
